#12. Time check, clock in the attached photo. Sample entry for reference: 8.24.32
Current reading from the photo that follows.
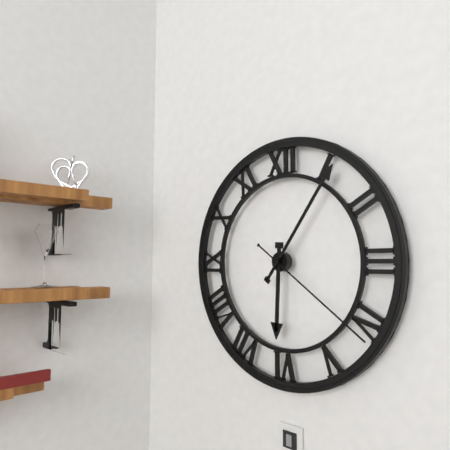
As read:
6.06.21
